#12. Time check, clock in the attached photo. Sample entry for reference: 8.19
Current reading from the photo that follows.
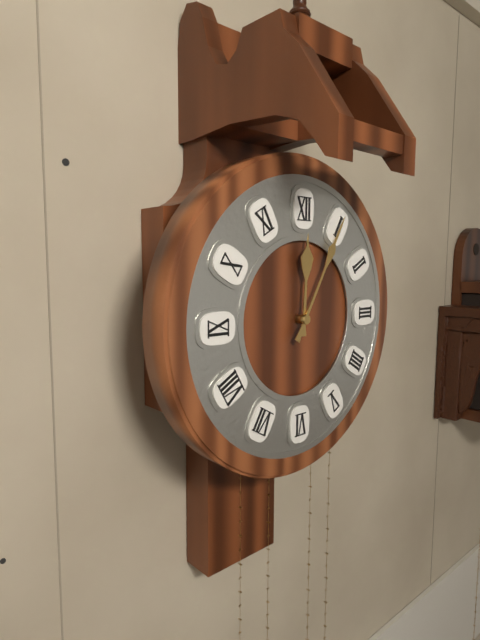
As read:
12.05
